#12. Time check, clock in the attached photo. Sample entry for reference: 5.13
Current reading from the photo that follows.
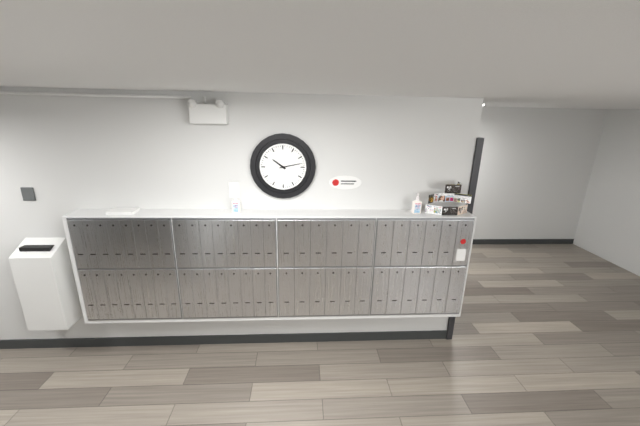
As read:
10.13
